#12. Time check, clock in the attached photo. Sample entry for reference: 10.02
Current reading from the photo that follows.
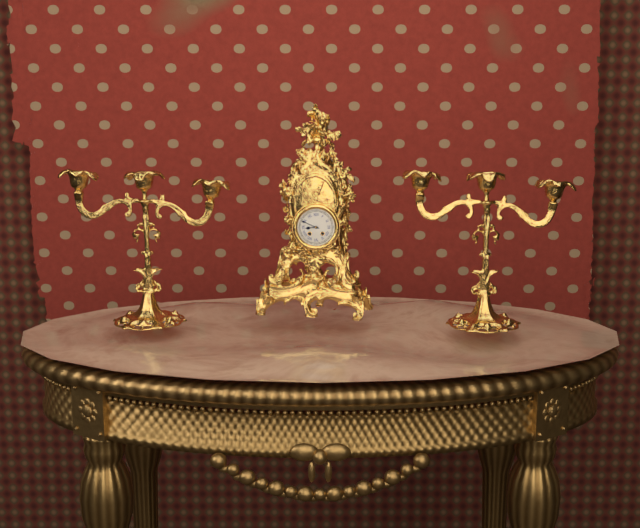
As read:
8.49
